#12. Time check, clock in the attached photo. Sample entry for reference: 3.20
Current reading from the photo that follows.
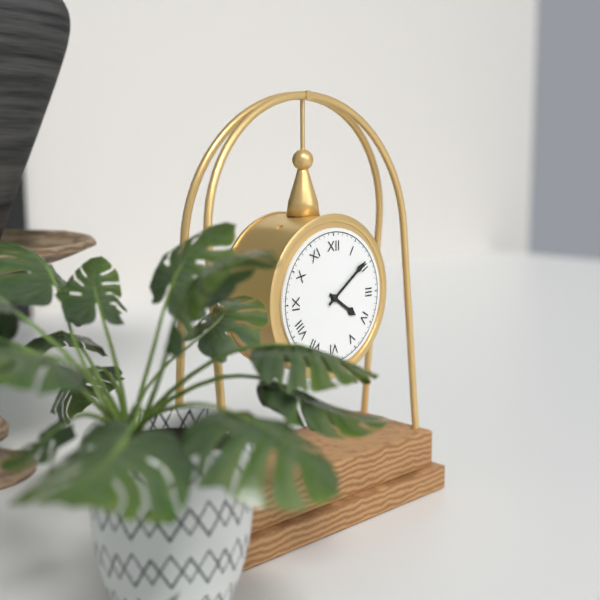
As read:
4.09
